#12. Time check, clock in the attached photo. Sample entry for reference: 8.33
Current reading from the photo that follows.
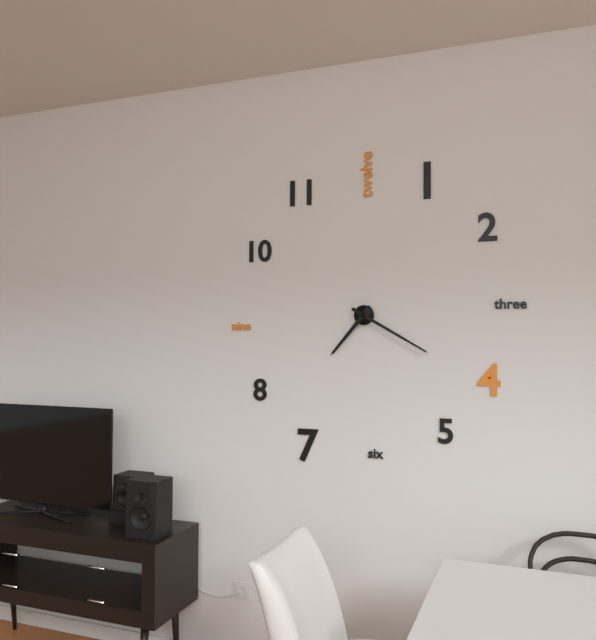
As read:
7.20
